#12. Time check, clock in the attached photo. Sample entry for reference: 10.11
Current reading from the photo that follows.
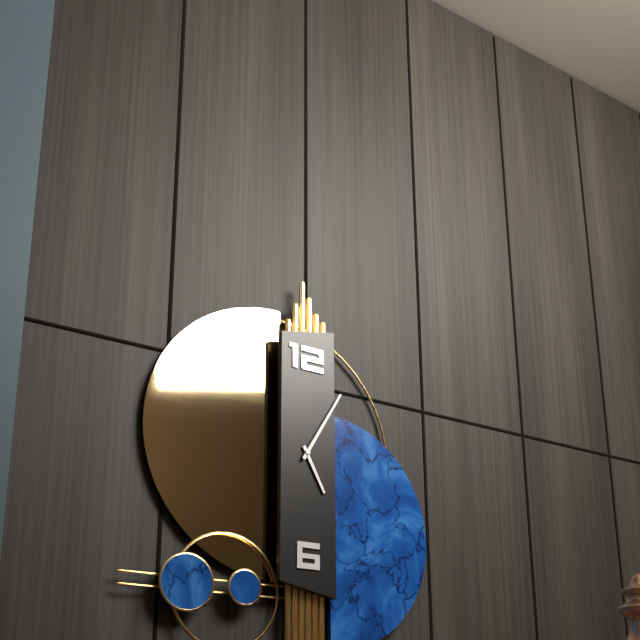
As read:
5.05
